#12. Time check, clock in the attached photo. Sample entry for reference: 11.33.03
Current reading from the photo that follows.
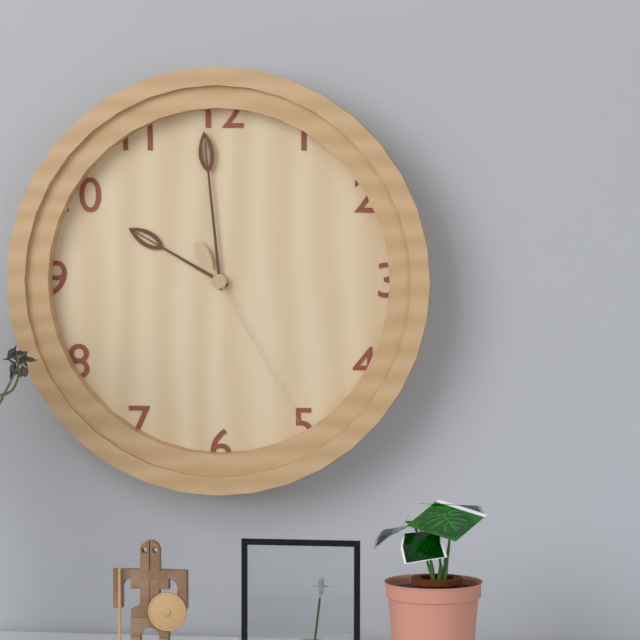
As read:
9.59.25
